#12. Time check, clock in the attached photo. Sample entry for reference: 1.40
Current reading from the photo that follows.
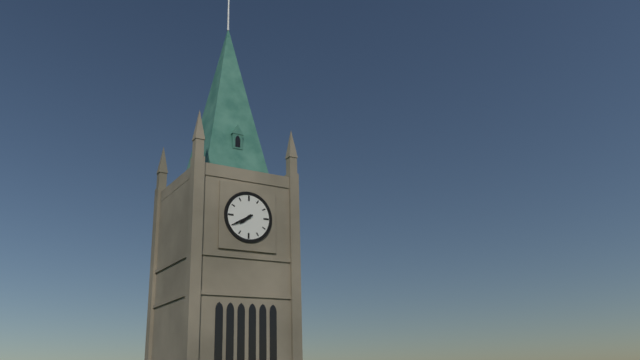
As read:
7.40
